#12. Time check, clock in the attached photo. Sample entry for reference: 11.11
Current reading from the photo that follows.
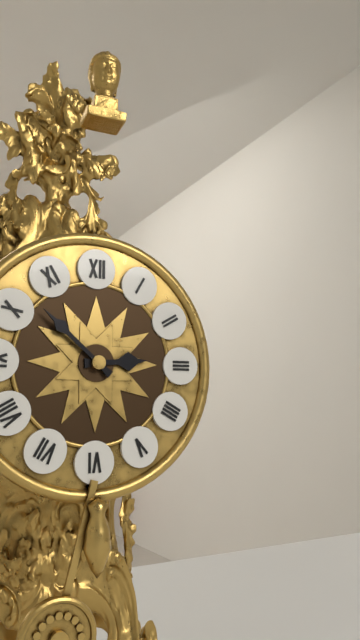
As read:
2.52
